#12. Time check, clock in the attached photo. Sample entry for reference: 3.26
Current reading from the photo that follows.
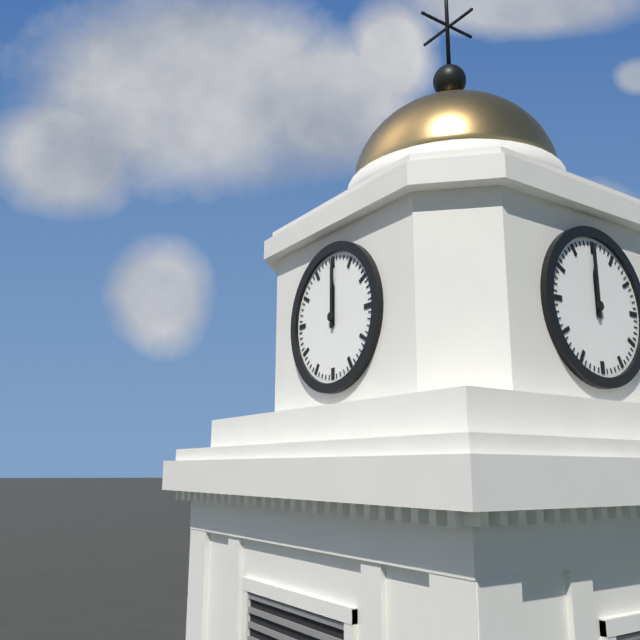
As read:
12.00
